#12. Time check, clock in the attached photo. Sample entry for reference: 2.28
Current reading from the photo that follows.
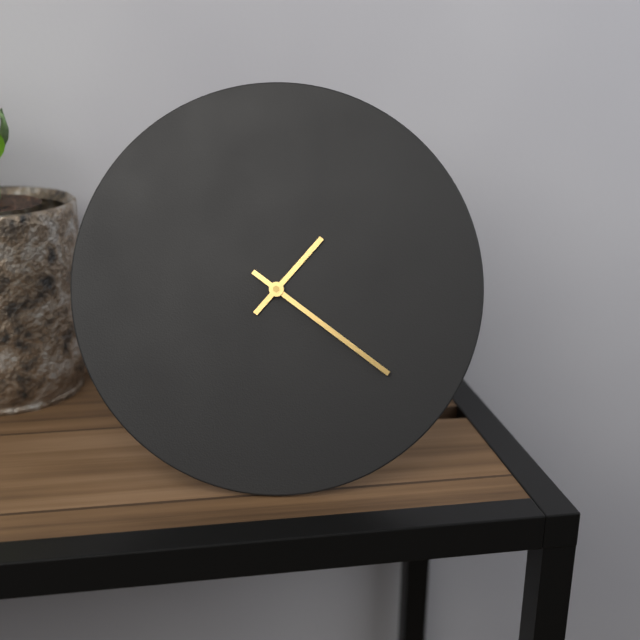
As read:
1.21
